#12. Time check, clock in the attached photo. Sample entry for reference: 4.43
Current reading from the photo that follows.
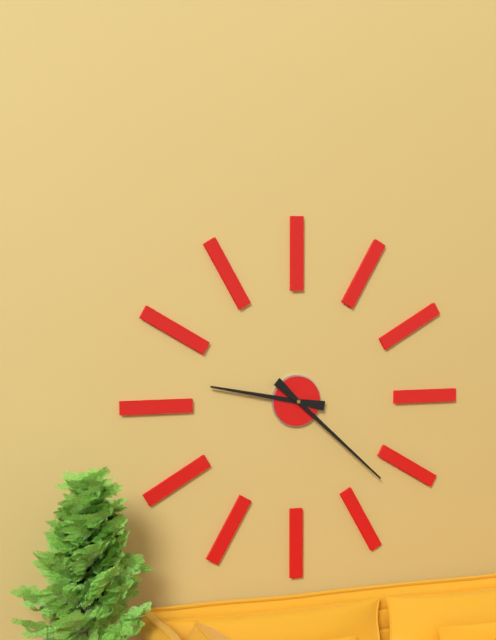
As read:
9.22
